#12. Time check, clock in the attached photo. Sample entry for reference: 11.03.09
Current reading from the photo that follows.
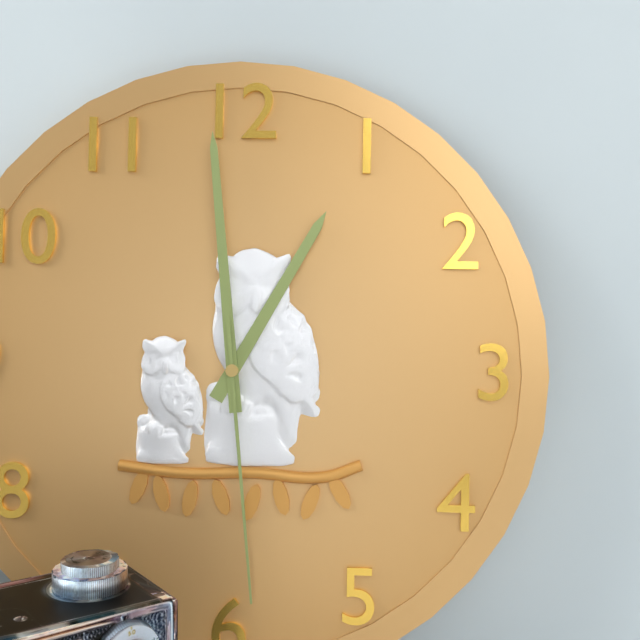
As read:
12.59.29
